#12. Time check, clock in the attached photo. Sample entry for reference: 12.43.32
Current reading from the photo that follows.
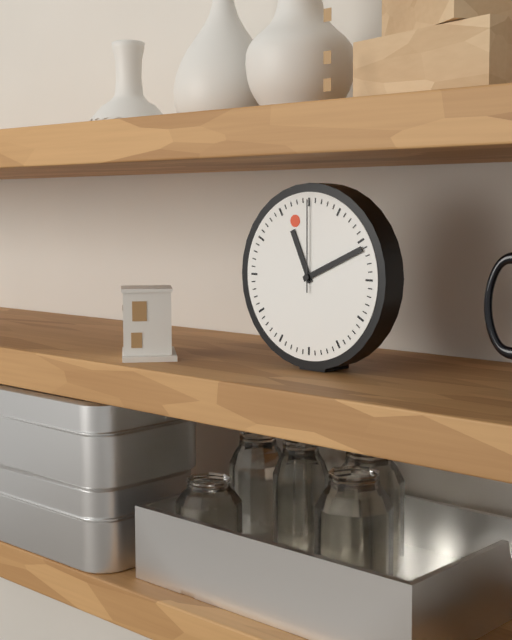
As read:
11.11.00
